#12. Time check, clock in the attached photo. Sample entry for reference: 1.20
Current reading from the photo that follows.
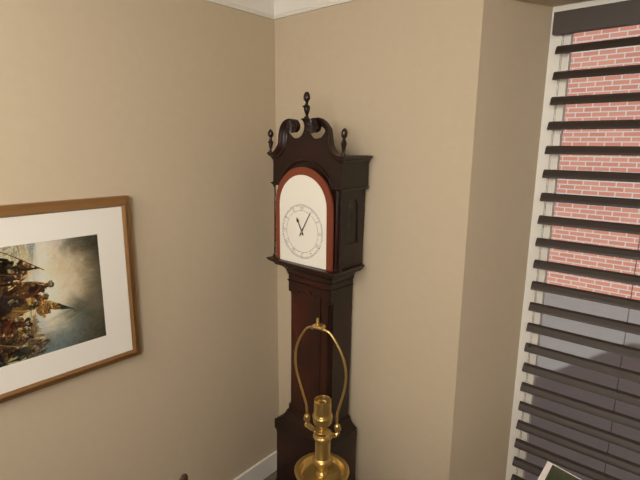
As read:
11.05
